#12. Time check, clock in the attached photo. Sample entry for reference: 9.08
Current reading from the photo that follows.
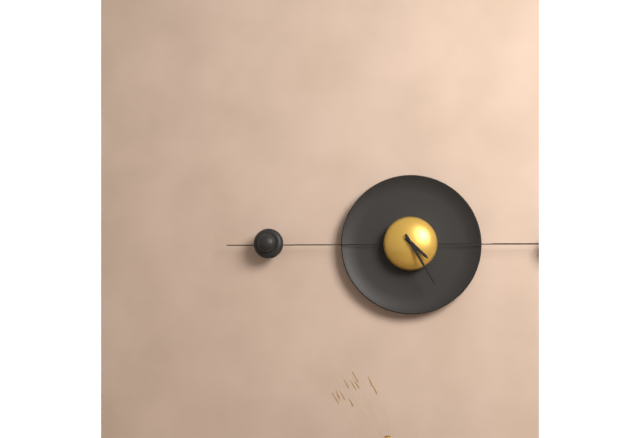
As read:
4.25
